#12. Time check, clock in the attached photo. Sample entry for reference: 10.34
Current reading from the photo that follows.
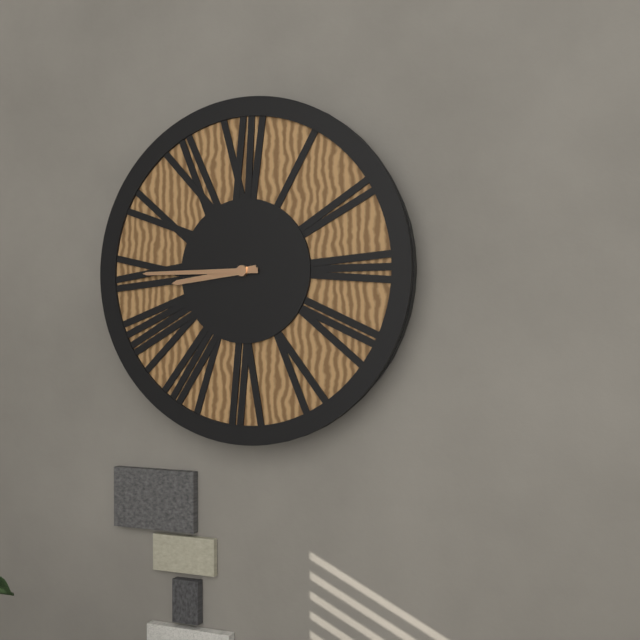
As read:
8.45
